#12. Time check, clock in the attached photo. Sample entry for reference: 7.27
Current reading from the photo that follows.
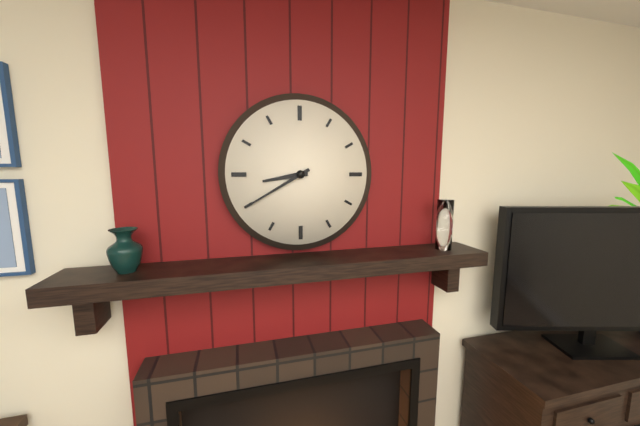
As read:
8.40
